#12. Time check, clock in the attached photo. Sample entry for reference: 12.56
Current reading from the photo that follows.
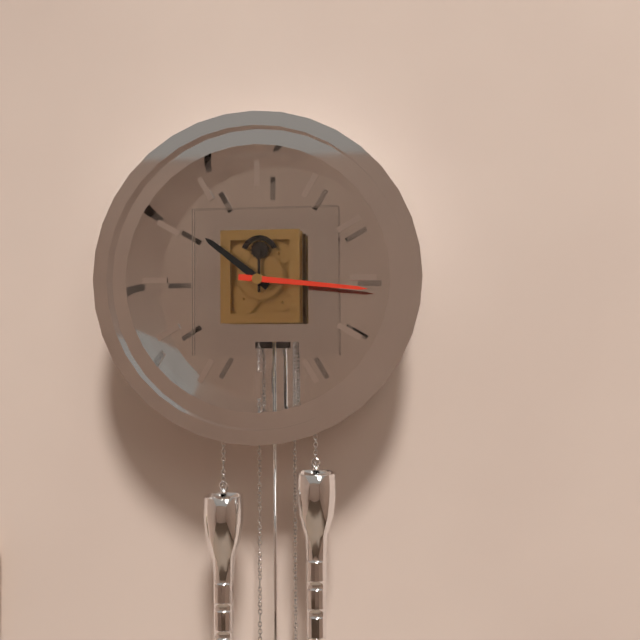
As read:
10.16
